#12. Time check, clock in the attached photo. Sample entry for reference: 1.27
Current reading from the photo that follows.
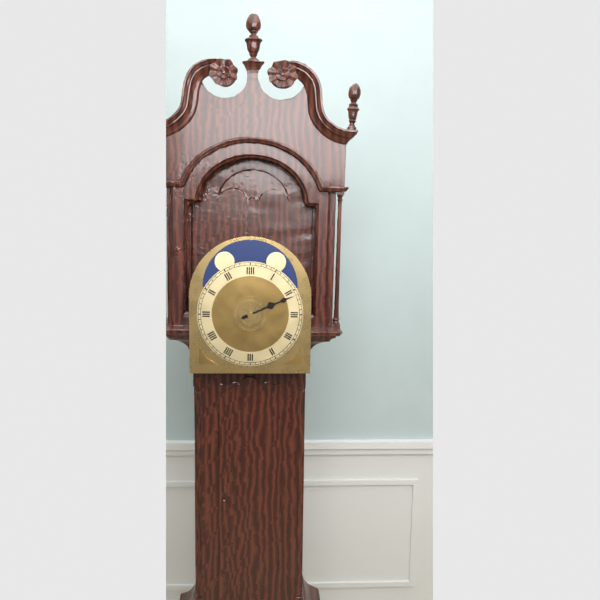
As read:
2.11
